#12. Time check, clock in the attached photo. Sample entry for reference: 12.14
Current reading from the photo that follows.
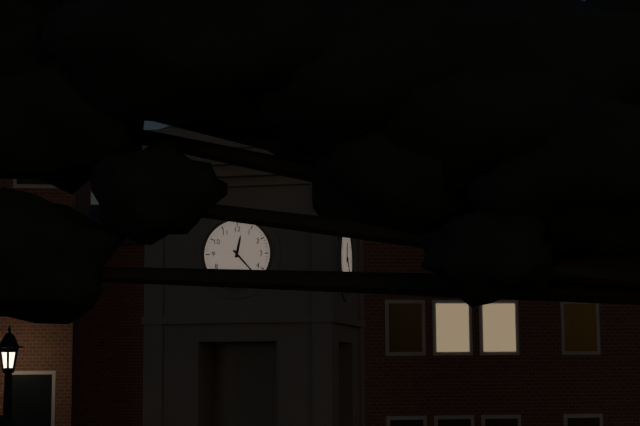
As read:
12.23
